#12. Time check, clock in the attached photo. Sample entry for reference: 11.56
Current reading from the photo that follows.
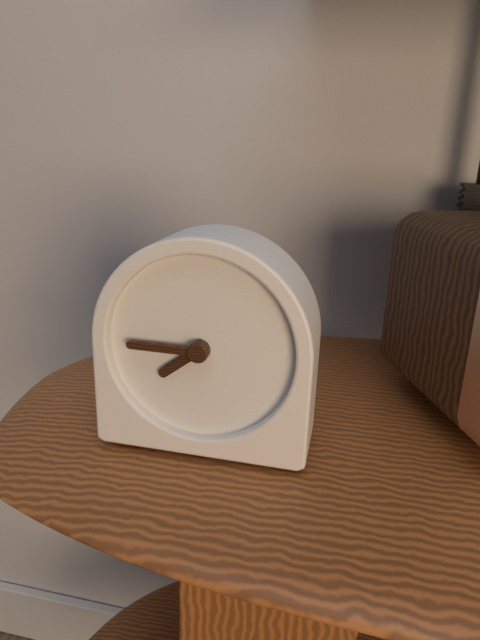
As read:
7.45
